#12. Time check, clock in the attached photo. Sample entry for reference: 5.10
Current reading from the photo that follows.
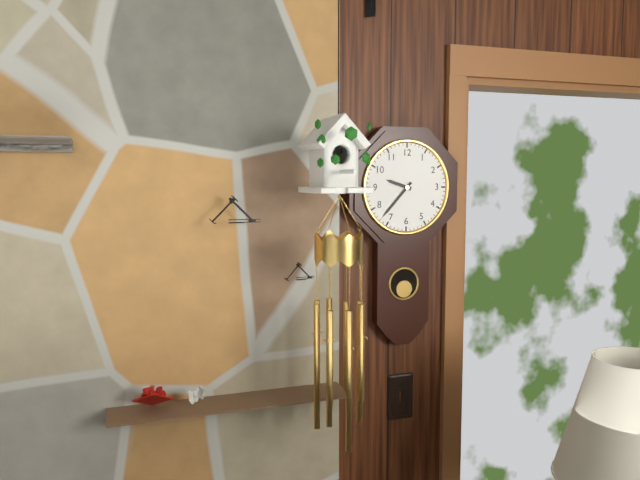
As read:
9.37
